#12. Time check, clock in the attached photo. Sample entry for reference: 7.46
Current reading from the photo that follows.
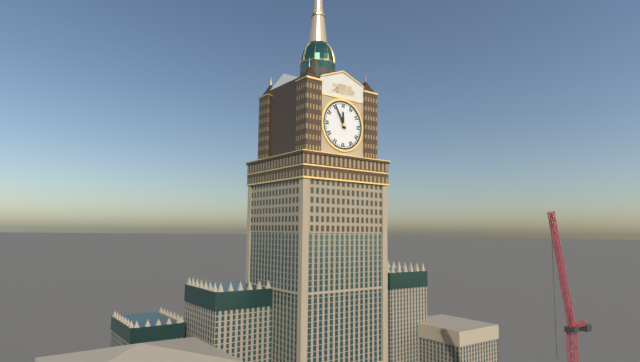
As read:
11.55
